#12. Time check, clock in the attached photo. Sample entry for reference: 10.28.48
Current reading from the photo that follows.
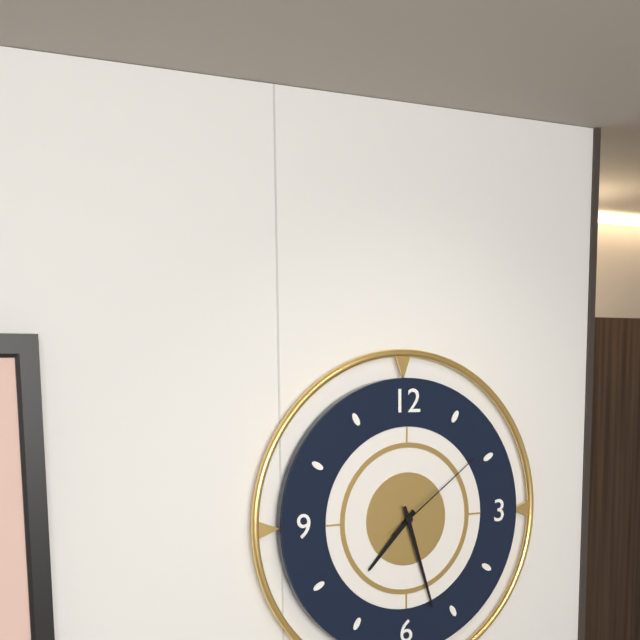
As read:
7.27.09
